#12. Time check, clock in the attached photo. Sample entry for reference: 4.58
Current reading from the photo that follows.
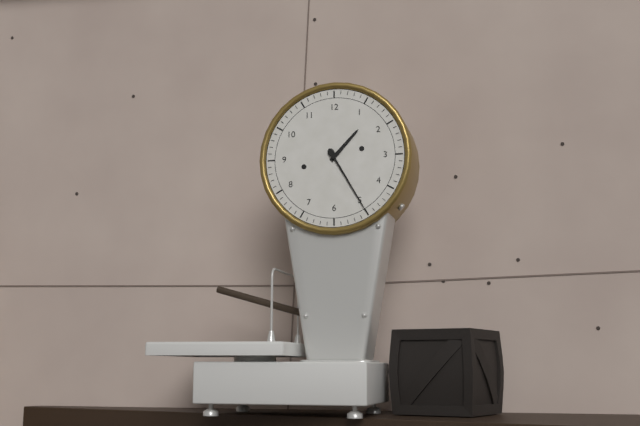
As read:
1.25
